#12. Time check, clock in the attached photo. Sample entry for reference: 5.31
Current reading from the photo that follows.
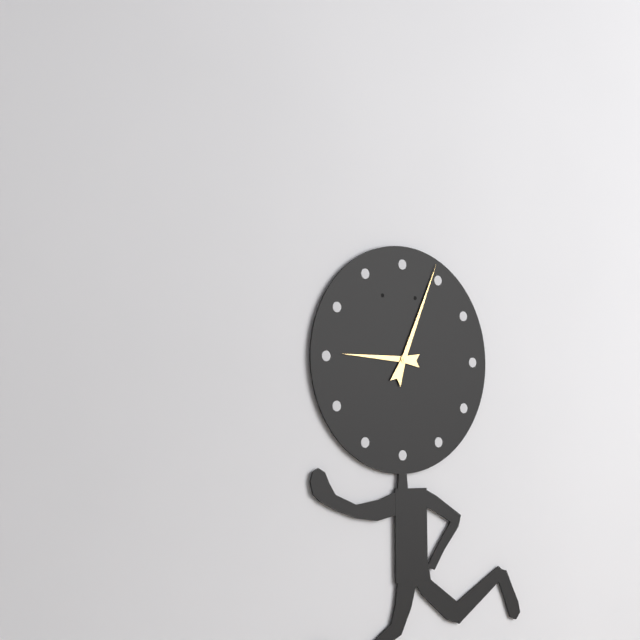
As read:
9.04
